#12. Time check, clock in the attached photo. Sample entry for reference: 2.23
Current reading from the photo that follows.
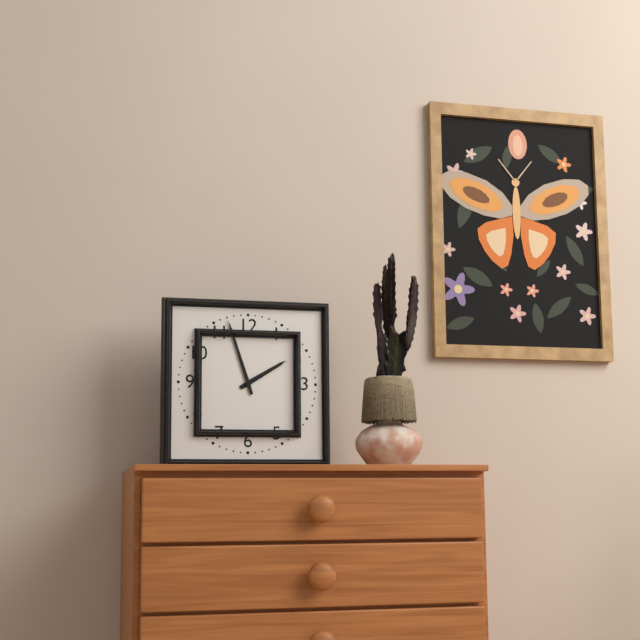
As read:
1.57
